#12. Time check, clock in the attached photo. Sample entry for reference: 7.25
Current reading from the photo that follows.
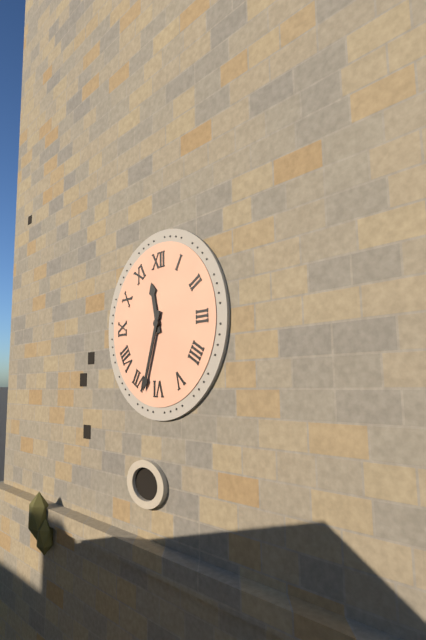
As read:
11.33
